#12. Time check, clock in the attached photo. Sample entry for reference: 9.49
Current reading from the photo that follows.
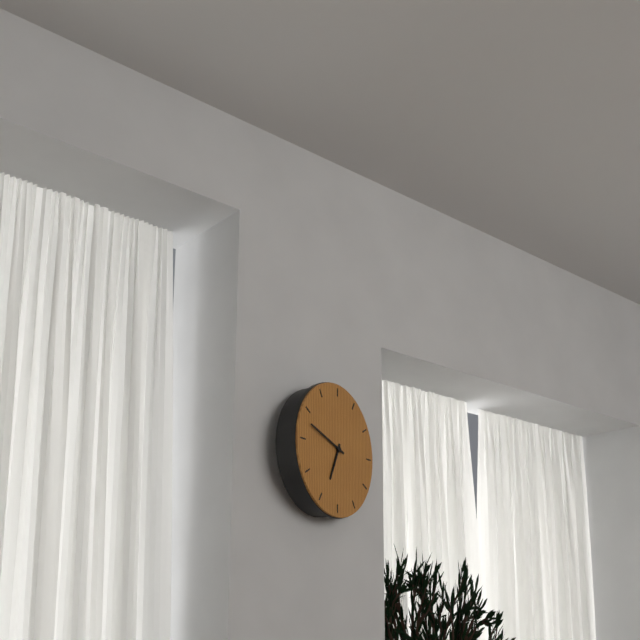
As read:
6.48
